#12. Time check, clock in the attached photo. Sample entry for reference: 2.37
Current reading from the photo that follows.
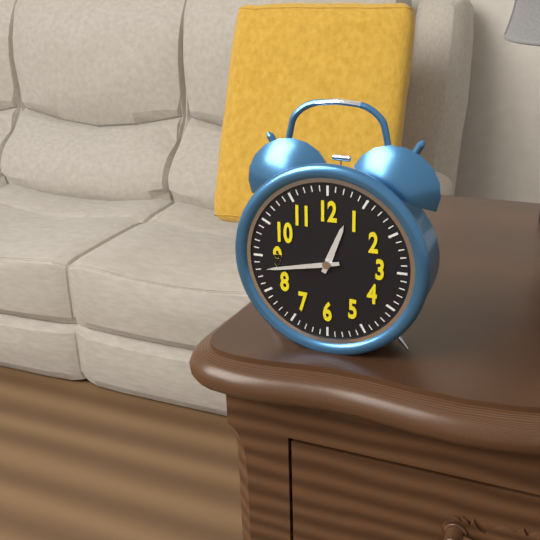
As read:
12.43
